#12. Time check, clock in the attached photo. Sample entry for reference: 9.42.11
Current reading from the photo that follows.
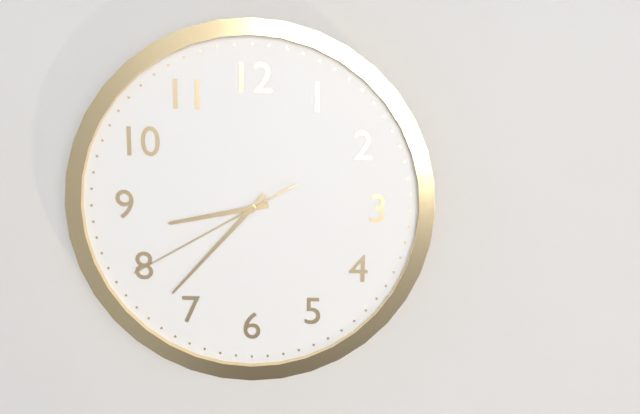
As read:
8.37.40
